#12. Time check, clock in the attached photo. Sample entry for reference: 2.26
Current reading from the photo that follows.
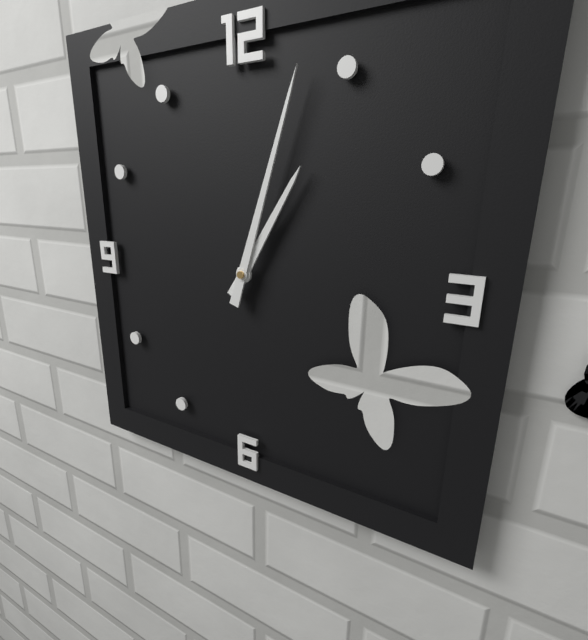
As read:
1.03
